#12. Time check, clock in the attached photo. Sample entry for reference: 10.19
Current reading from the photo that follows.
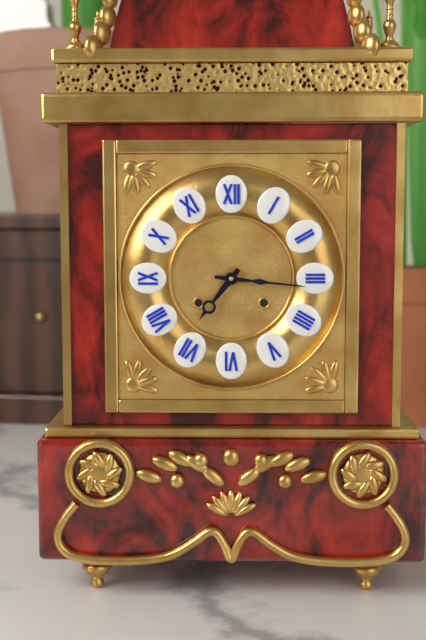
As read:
7.16
